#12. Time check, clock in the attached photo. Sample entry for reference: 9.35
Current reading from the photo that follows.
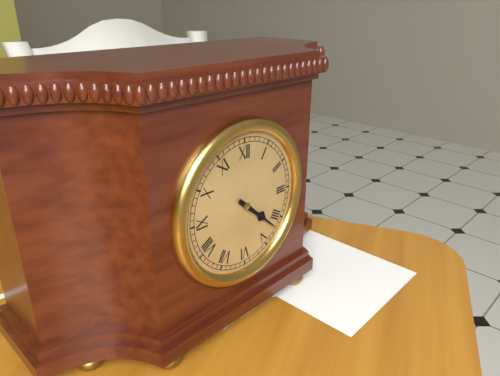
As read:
4.22
